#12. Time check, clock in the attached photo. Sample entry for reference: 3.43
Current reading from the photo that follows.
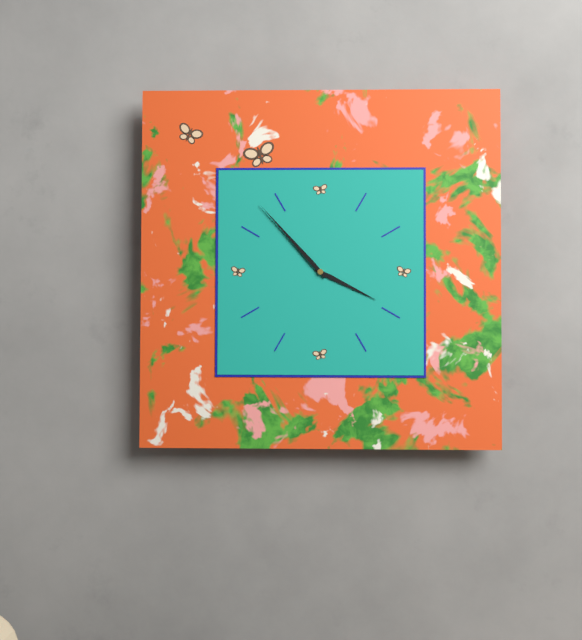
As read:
3.53
